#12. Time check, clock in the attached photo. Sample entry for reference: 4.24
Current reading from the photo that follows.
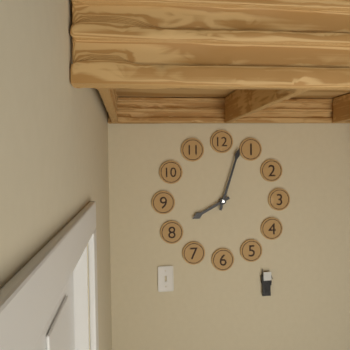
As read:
8.03
